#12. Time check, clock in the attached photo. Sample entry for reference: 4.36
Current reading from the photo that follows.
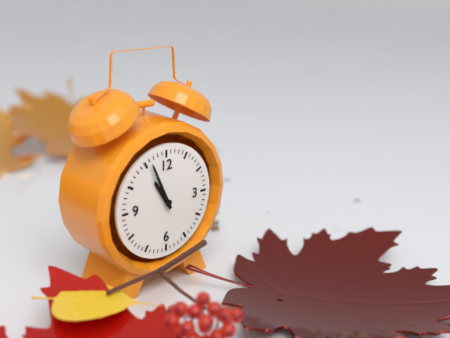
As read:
10.56
